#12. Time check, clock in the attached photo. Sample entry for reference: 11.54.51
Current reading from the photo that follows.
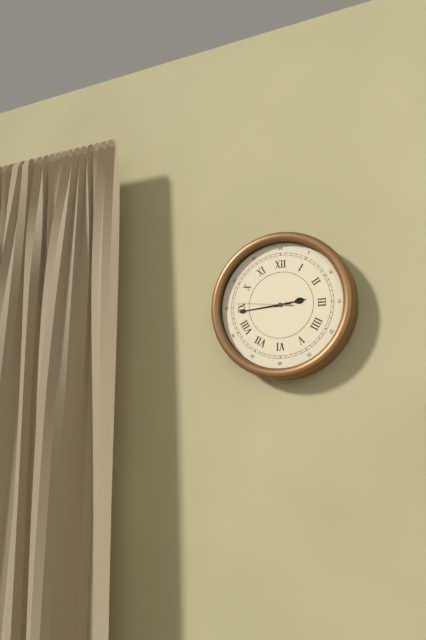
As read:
2.44.46
